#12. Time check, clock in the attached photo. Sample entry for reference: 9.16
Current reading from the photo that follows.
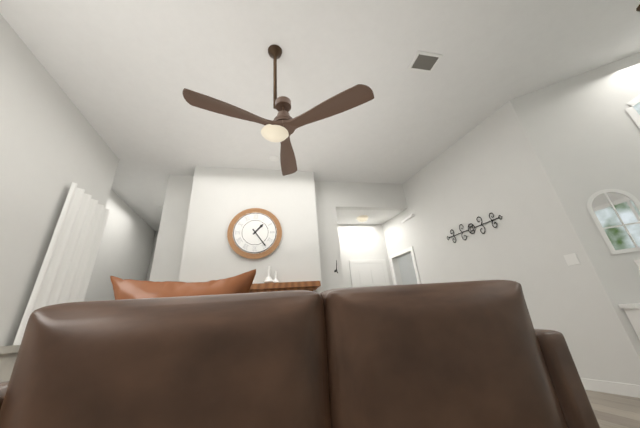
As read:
1.24
